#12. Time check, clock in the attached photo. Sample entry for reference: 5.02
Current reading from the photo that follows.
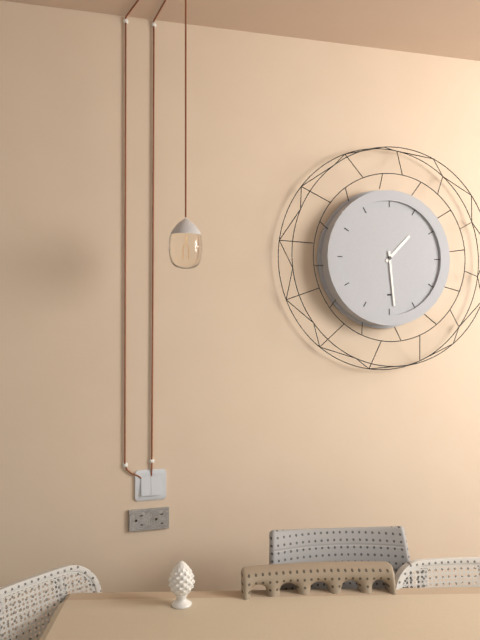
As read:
1.29
